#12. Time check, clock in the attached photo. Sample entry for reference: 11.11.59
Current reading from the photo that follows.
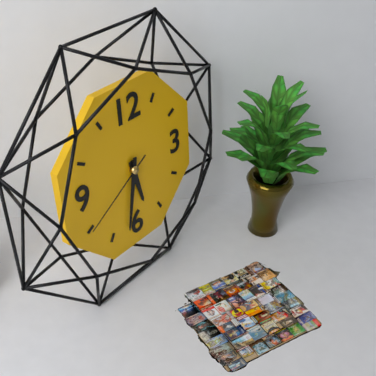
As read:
5.32.40
